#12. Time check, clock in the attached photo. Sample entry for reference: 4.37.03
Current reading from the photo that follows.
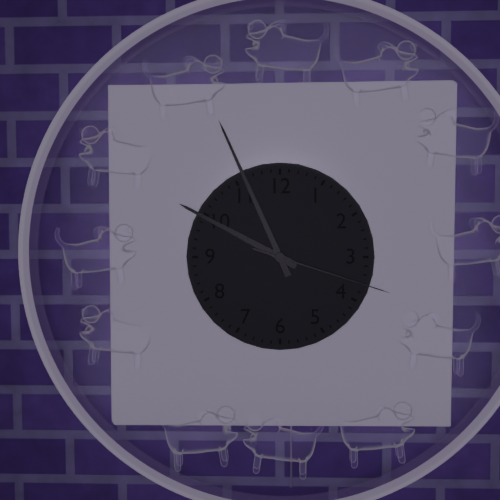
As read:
9.56.18
